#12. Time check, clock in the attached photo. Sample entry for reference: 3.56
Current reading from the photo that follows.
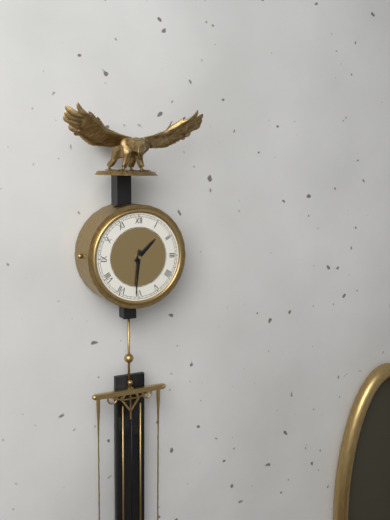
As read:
1.31
